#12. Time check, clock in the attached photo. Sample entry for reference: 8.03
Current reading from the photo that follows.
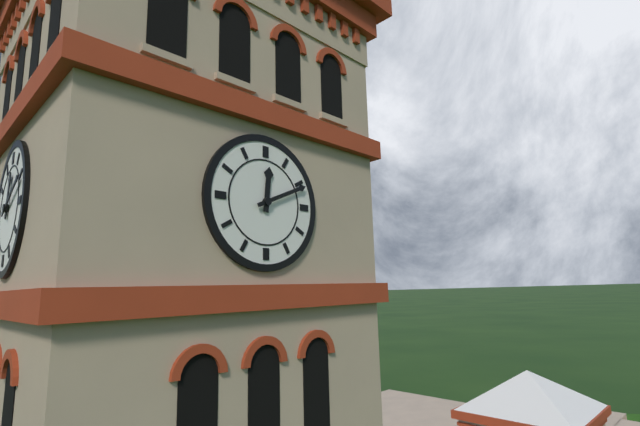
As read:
12.11
